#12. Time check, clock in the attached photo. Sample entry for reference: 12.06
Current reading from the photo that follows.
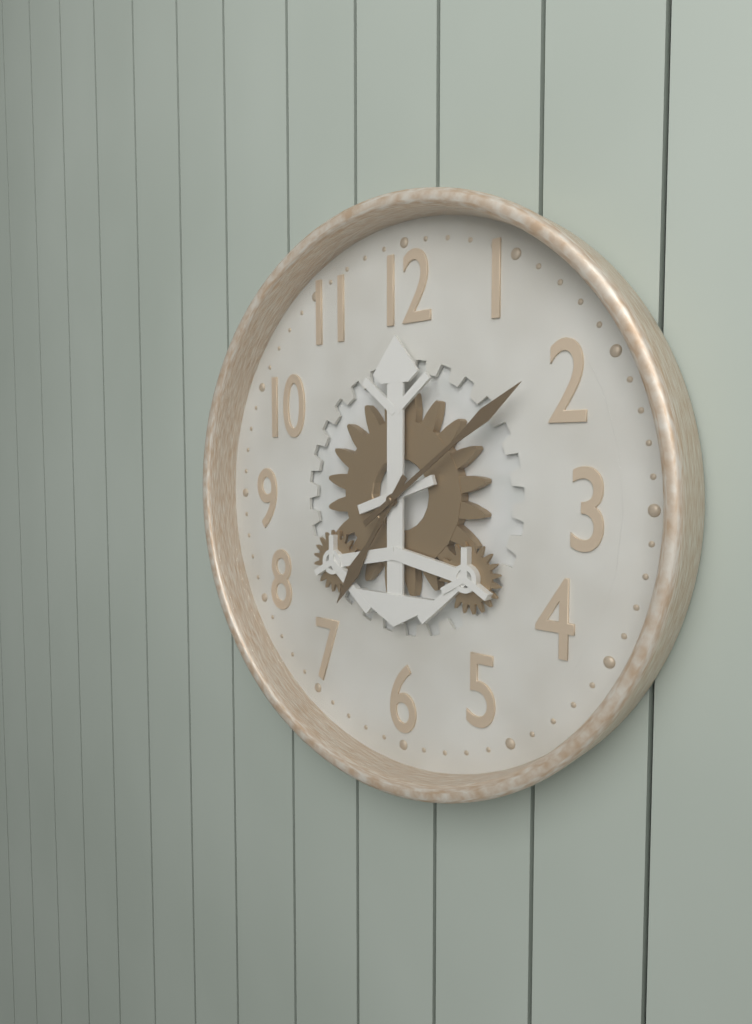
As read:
7.09
